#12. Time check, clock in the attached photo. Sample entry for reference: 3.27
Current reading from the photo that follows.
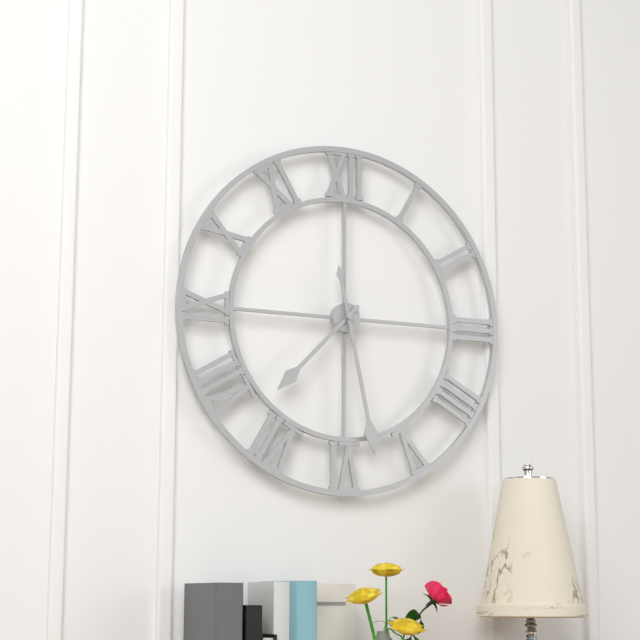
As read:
7.28
